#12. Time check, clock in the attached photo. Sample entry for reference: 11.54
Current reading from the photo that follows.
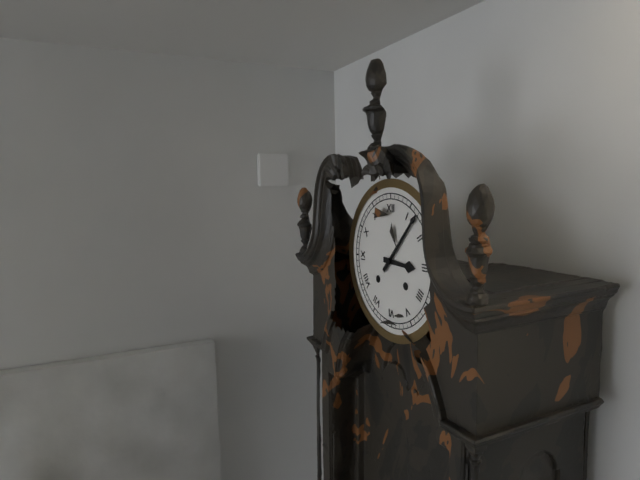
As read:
3.07
